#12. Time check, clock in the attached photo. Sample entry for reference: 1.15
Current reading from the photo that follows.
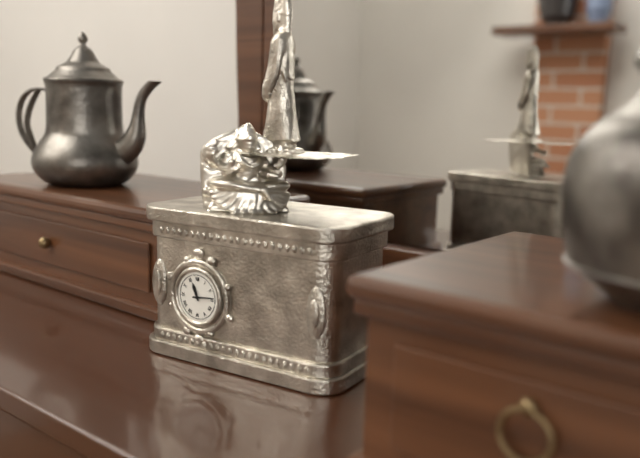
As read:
11.14
